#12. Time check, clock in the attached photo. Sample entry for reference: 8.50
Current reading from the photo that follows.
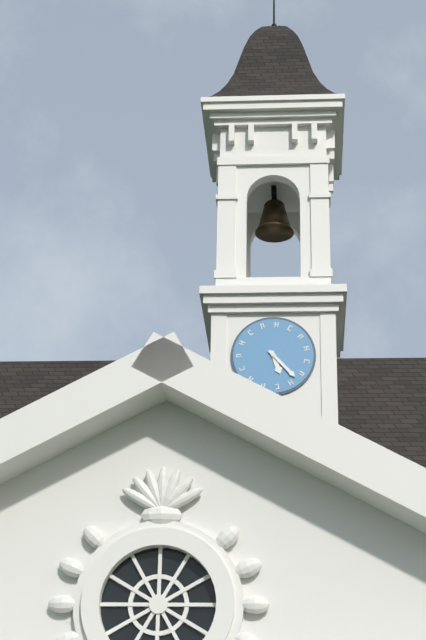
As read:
5.23
